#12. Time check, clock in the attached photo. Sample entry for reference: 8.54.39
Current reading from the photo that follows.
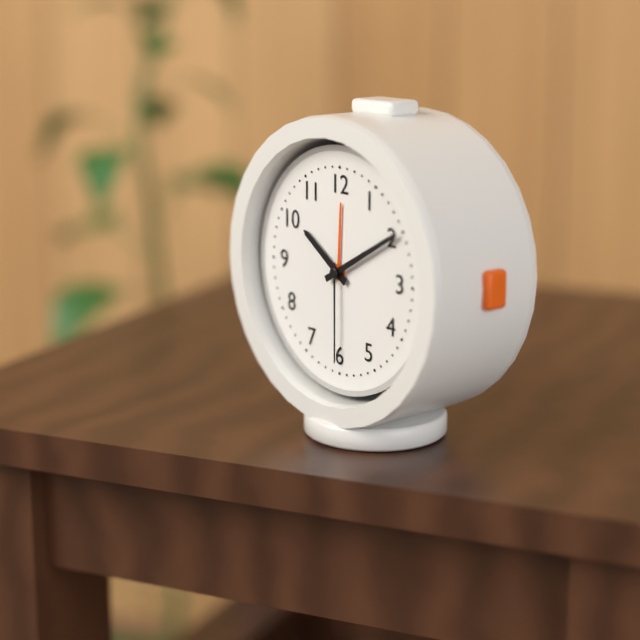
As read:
10.10.30
